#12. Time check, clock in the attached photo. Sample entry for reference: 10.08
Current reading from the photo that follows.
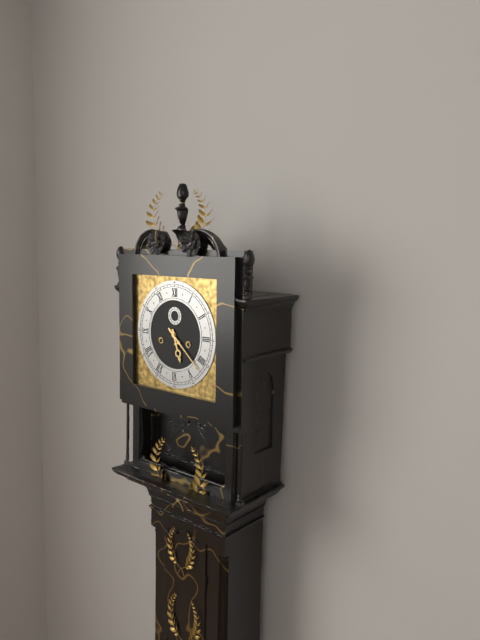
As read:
5.22
